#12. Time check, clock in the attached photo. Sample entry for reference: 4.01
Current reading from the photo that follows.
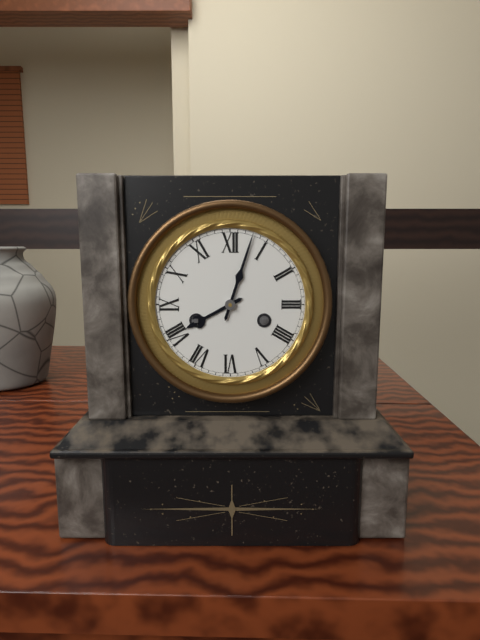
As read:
8.03
